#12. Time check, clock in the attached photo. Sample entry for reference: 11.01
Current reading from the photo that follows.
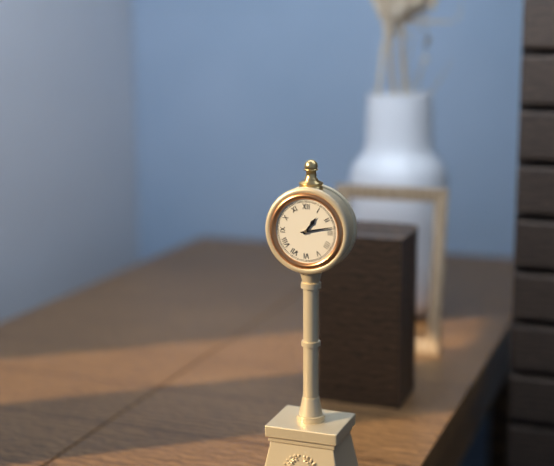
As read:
1.13
